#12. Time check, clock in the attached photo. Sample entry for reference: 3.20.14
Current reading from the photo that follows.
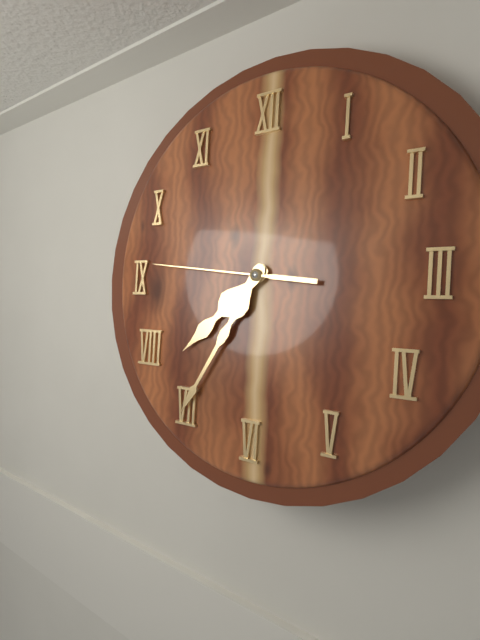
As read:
7.35.46
